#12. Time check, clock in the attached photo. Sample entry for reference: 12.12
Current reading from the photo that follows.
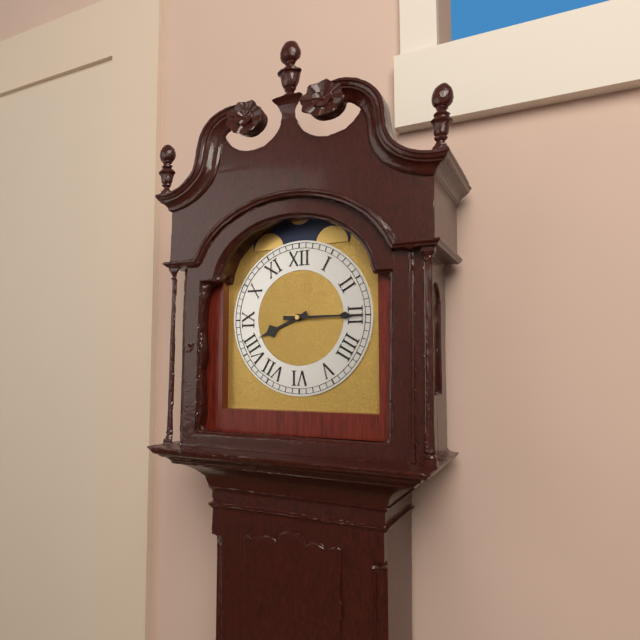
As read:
8.15
